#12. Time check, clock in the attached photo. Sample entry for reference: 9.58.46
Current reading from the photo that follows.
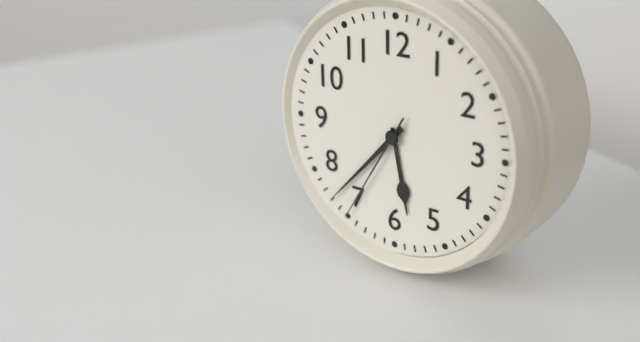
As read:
5.37.35
